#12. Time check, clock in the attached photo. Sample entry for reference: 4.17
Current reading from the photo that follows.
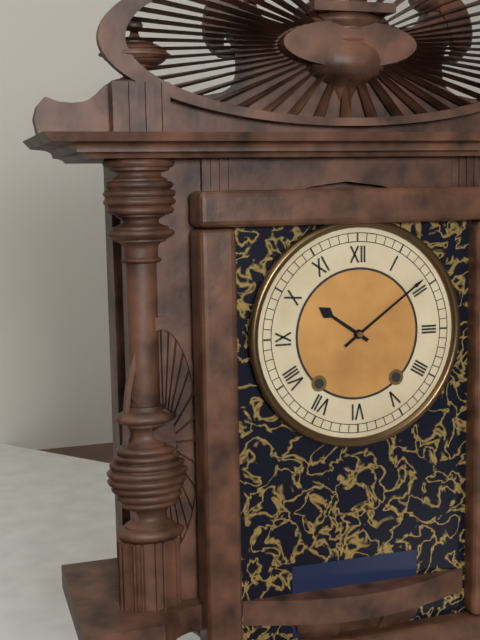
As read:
10.09
